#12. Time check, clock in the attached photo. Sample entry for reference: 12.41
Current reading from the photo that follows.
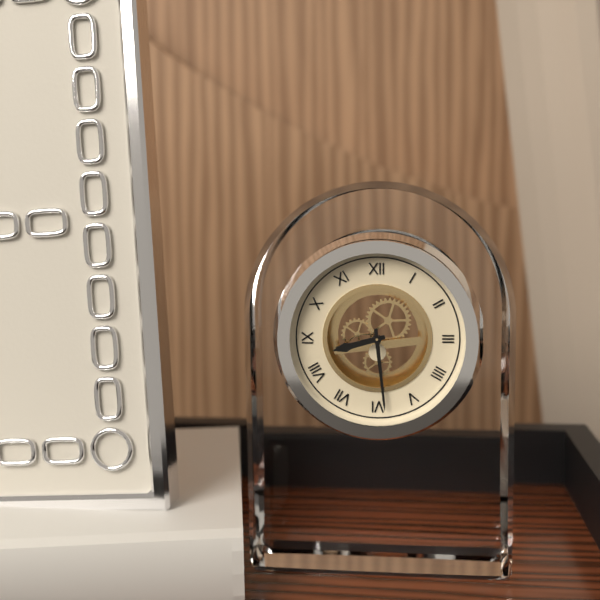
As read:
8.29
